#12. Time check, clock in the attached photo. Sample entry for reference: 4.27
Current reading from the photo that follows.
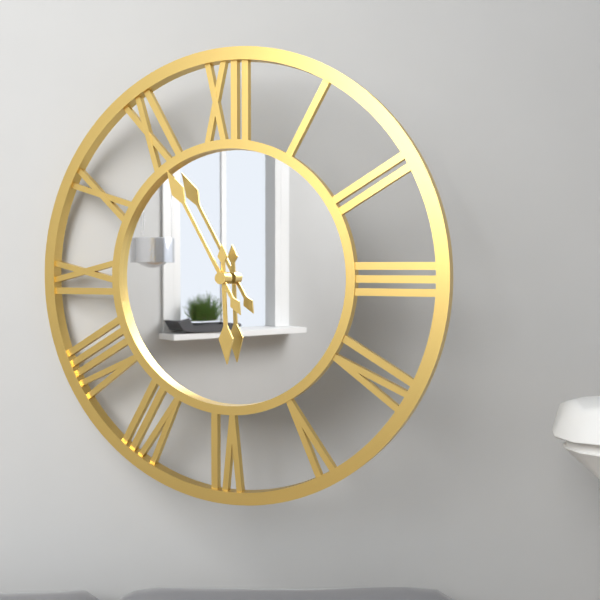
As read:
5.55
